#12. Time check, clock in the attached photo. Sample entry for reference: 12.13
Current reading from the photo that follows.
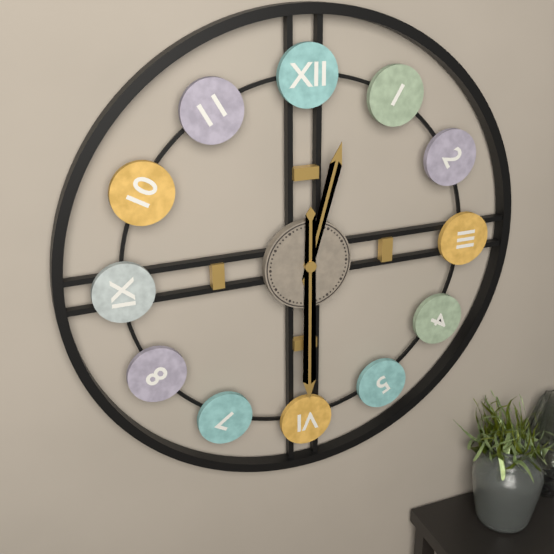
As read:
12.30
